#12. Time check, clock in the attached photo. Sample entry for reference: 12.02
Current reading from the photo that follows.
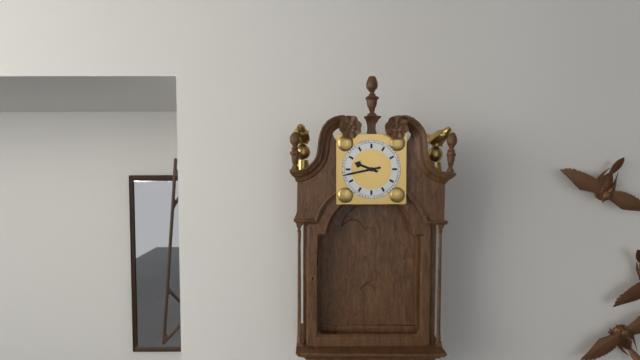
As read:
9.43
